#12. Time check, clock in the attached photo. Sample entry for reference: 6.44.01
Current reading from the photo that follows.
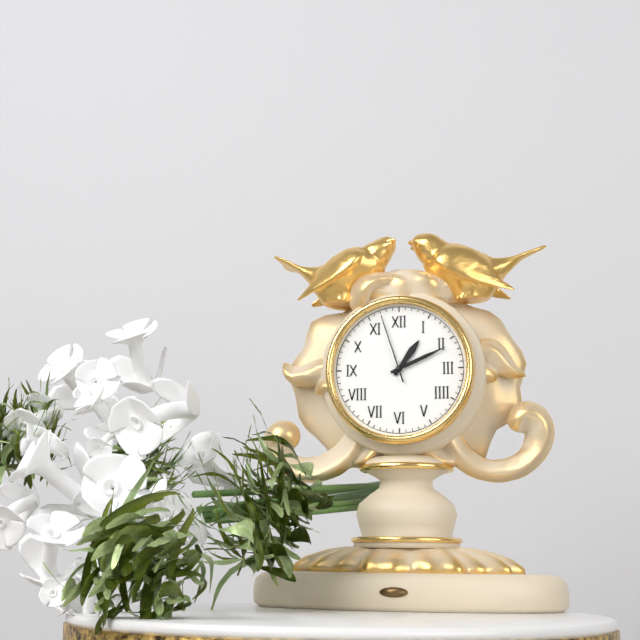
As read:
1.11.57
